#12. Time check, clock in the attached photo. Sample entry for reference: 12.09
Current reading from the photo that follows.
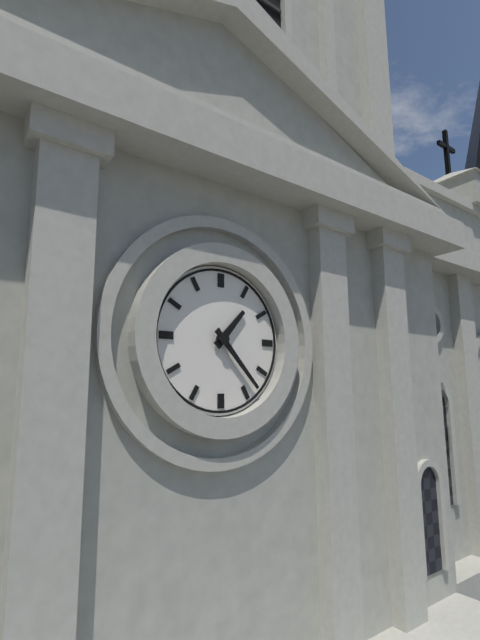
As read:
1.23
